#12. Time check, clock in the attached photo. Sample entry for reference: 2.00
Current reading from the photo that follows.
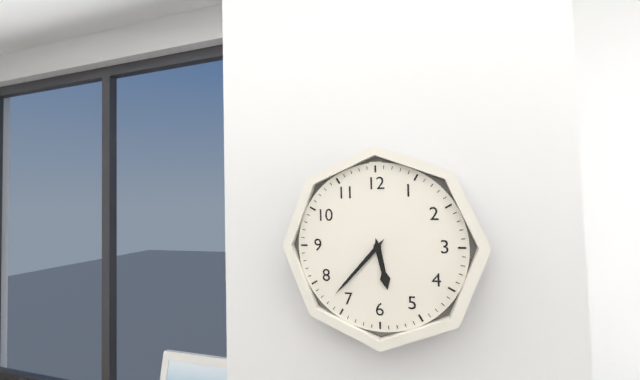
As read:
5.37
